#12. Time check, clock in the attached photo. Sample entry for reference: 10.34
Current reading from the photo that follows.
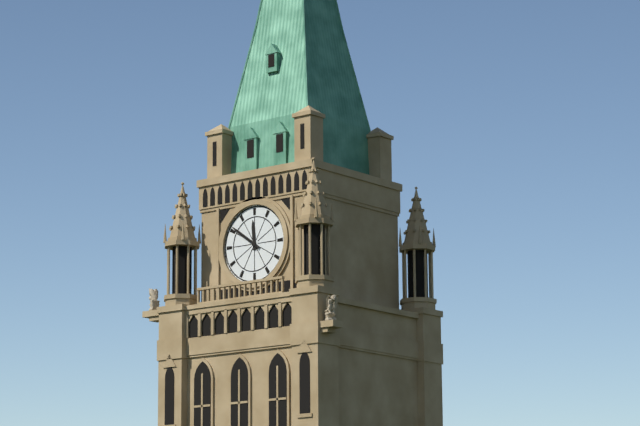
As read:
11.51
